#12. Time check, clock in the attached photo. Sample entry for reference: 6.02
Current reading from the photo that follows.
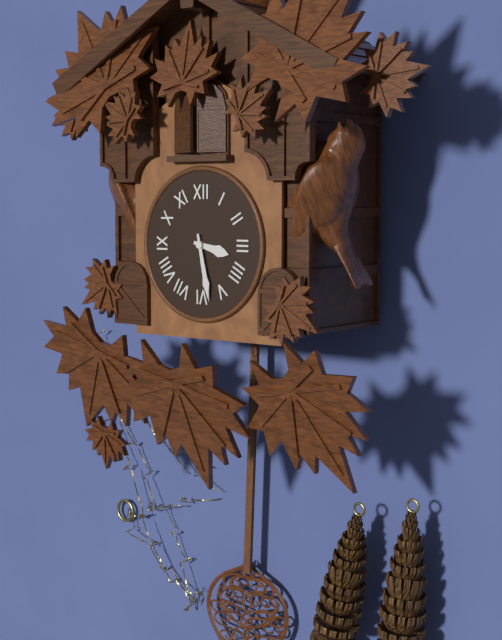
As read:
3.28
